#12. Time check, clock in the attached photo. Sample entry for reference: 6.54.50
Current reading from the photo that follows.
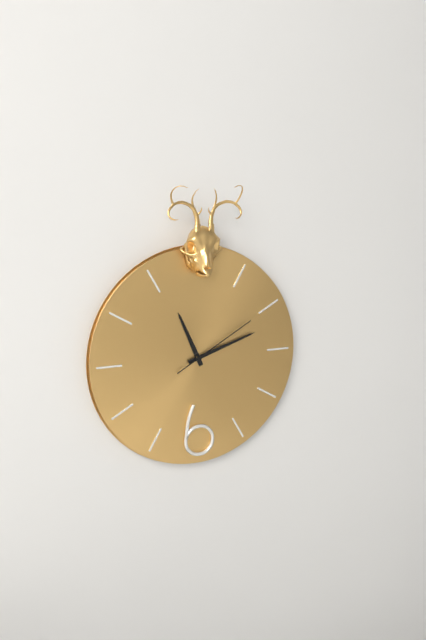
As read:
11.12.10
